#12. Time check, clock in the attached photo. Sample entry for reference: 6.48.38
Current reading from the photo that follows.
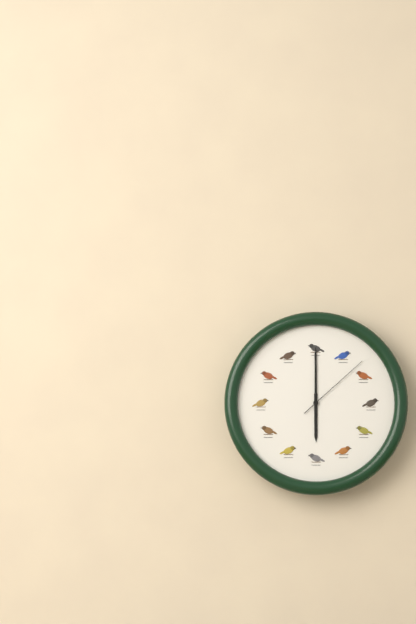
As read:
6.00.08
